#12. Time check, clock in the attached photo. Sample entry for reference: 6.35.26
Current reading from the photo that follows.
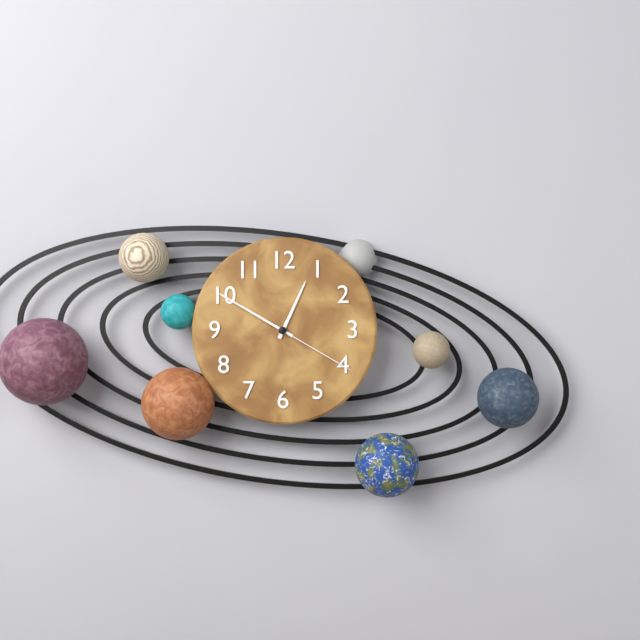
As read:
12.50.20
